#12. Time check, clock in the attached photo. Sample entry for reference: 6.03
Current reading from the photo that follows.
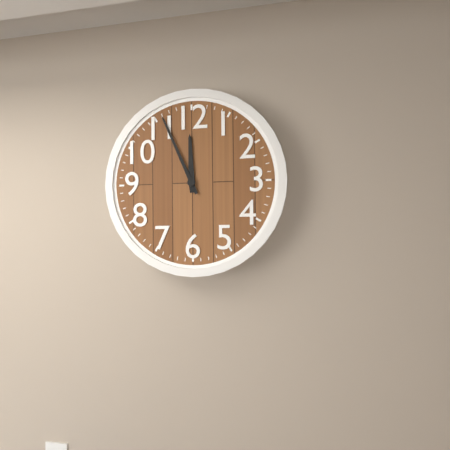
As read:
11.56
